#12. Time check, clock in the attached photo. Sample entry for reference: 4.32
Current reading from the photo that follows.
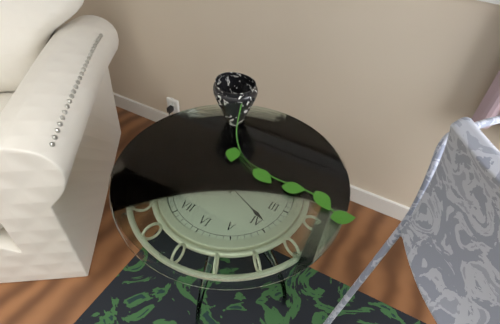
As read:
11.19
